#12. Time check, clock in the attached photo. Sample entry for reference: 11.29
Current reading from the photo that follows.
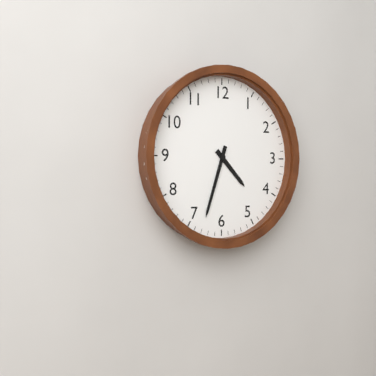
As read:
4.33
